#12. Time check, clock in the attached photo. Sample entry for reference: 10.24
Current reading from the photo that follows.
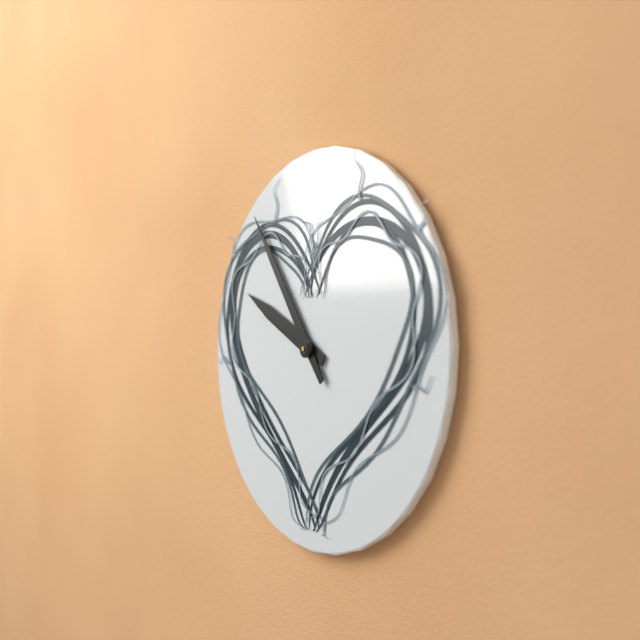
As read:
9.54
